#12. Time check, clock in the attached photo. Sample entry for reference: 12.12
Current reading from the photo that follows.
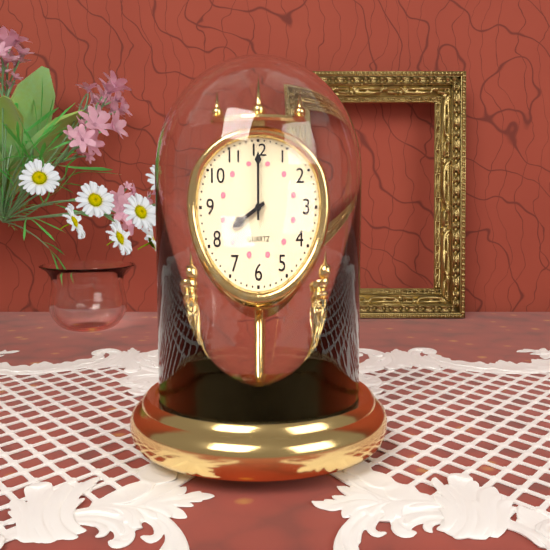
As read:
8.00
